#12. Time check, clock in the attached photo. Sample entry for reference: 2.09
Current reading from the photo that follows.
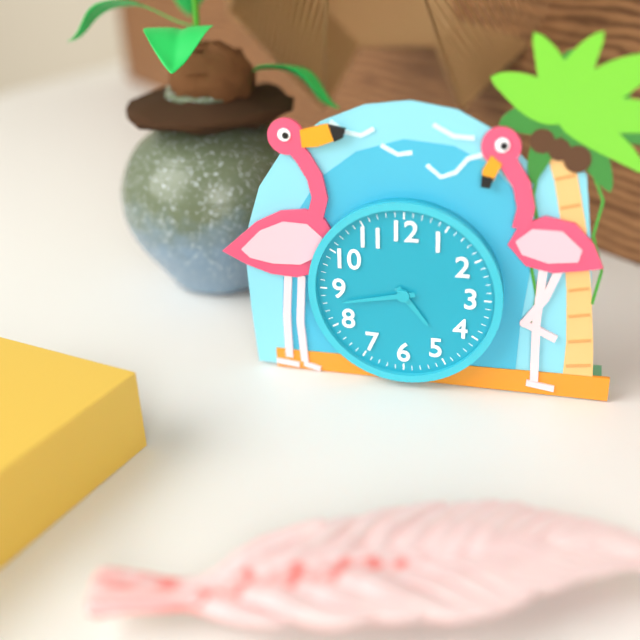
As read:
4.43
